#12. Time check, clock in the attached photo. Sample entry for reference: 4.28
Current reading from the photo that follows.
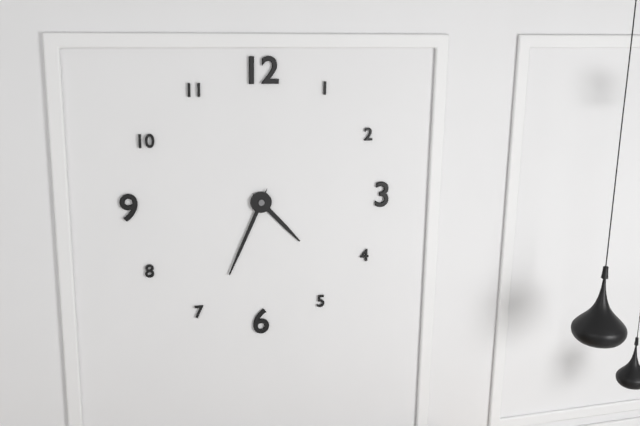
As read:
4.34
